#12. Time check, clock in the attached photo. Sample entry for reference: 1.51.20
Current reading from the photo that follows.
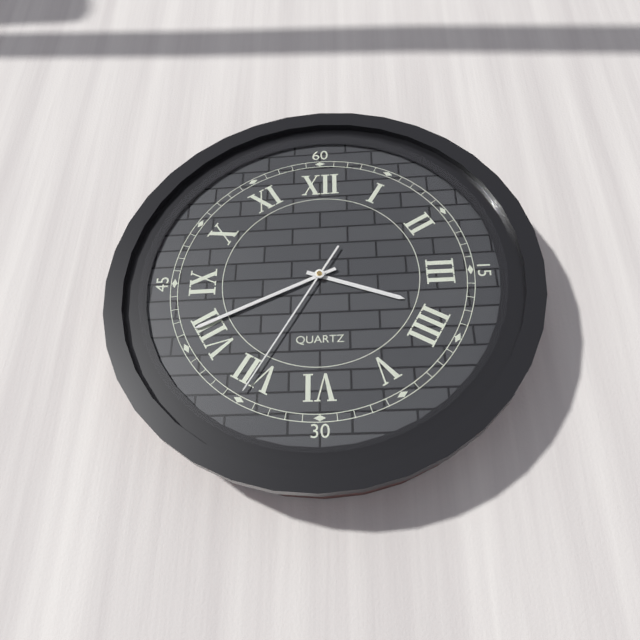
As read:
3.41.35
